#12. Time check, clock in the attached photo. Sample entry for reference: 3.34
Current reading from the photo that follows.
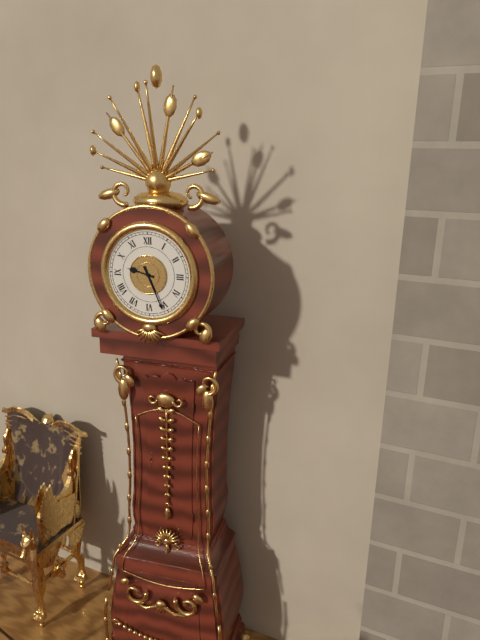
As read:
9.26
